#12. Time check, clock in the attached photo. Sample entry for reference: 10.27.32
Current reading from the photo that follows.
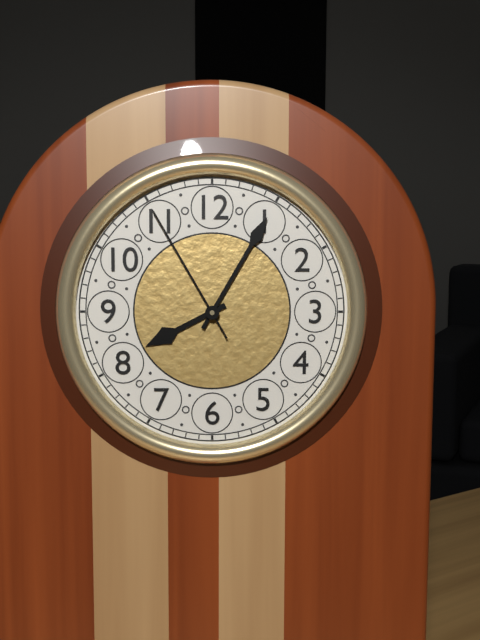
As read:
8.05.55
